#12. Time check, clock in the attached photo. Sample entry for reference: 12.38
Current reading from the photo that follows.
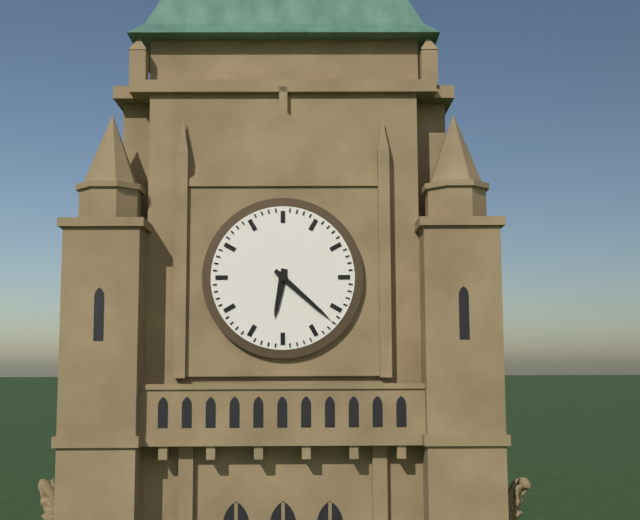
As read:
6.22
